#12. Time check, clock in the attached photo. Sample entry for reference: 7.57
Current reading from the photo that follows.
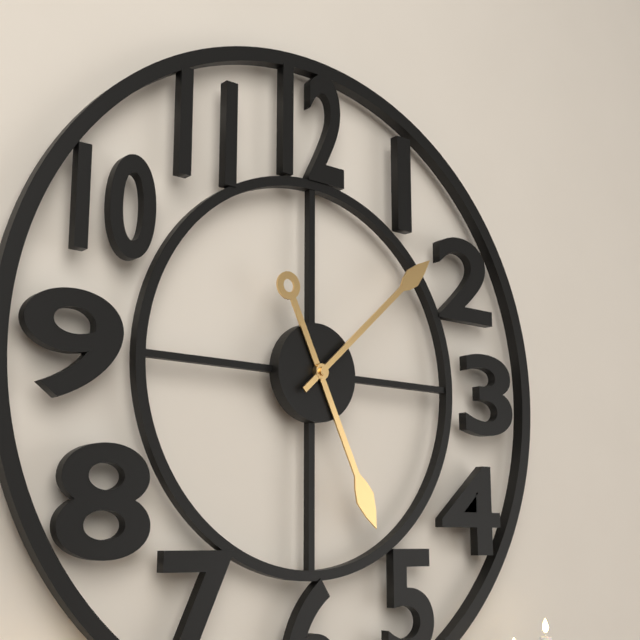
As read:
5.08
